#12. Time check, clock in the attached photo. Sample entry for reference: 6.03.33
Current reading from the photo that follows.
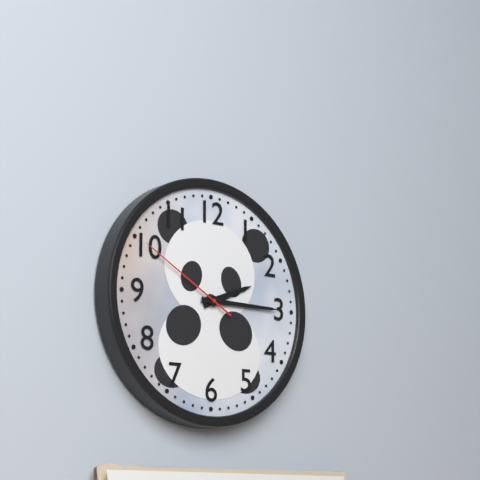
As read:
2.15.50
